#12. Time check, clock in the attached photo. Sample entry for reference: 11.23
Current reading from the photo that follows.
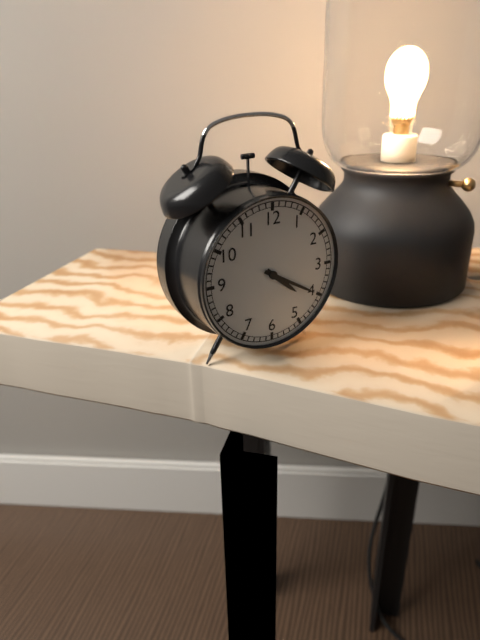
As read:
4.20
